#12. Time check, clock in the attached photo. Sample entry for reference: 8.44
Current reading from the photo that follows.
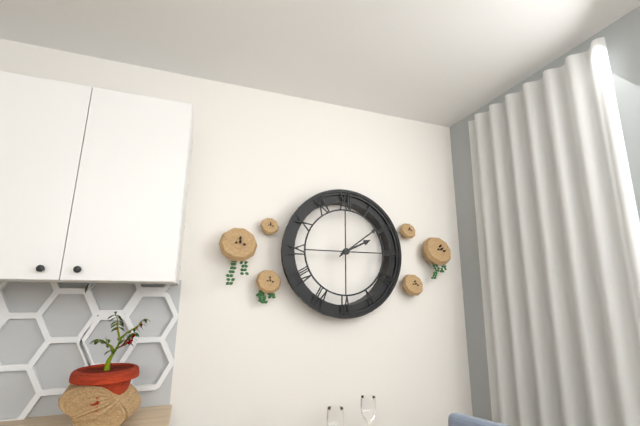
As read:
2.09
